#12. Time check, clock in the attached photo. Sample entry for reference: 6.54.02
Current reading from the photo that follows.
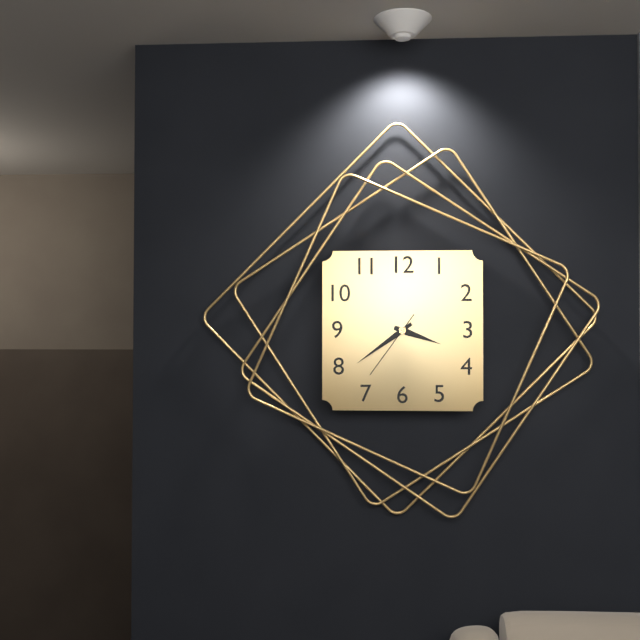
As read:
3.39.36
